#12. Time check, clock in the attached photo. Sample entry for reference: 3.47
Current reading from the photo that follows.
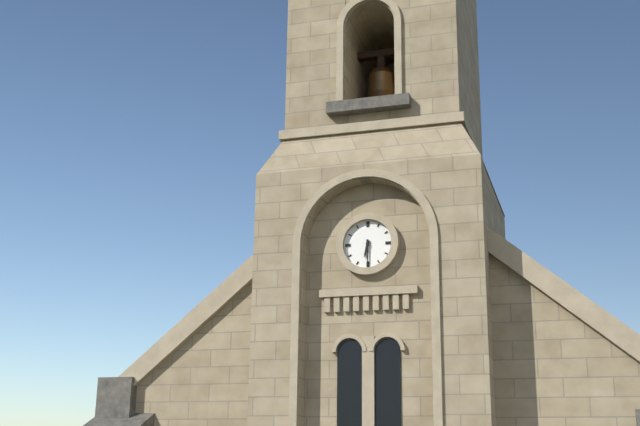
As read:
6.30
